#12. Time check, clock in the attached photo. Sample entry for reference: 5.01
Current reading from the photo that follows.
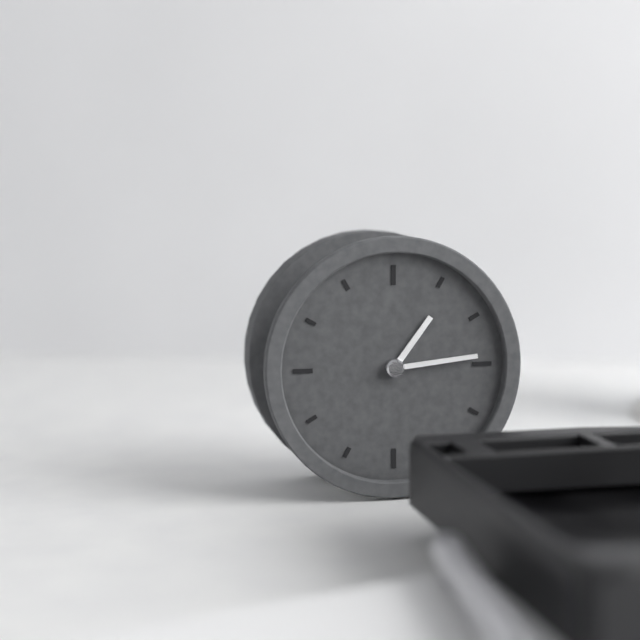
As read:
1.14
